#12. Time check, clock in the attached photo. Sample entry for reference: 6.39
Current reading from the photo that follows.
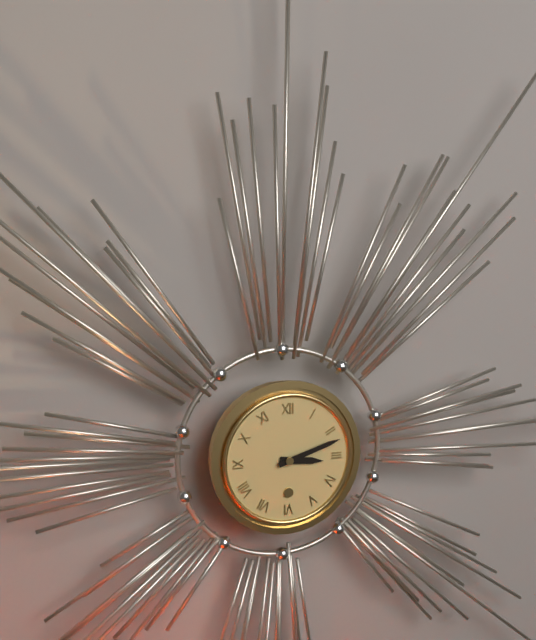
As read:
3.12
